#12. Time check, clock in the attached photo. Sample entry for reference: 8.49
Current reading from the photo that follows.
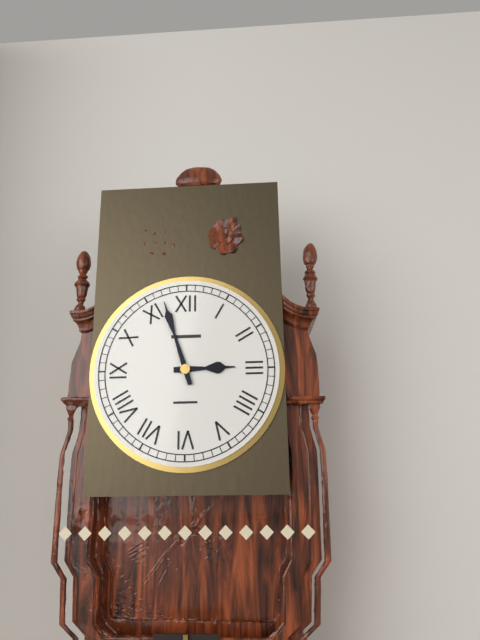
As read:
2.57
